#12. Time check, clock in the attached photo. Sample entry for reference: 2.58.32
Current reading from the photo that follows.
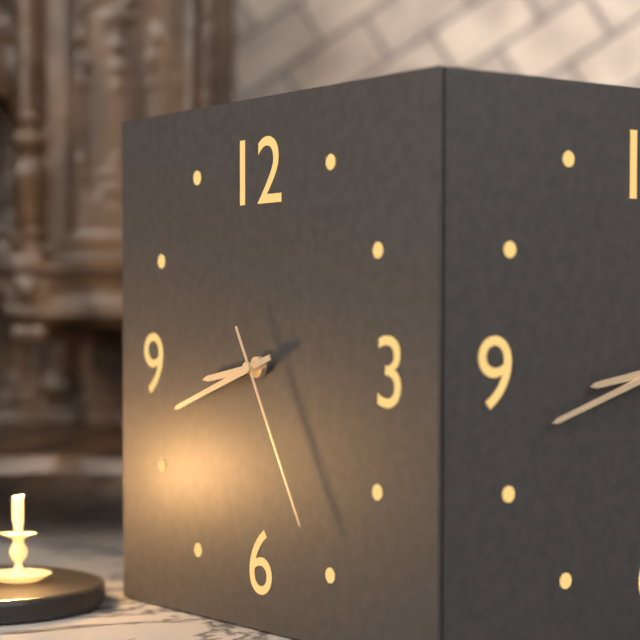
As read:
8.42.25
